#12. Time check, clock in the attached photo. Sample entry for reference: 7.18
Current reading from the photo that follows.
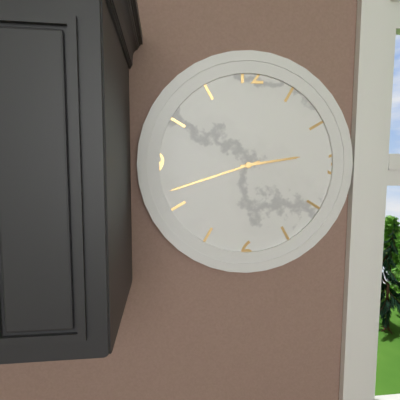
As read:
2.42
